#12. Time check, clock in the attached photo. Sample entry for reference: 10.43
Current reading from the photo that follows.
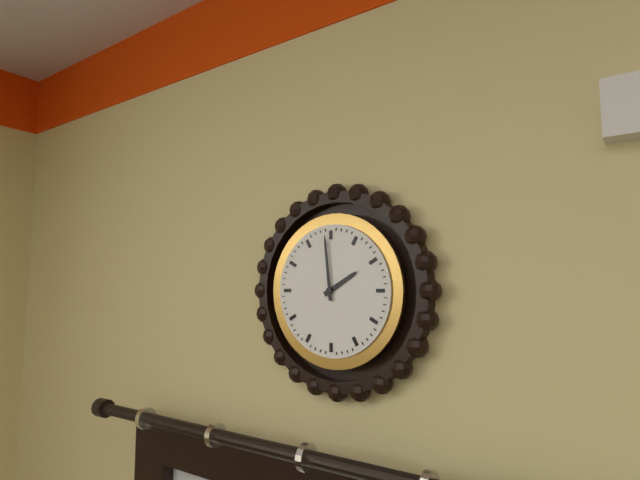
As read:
1.59
